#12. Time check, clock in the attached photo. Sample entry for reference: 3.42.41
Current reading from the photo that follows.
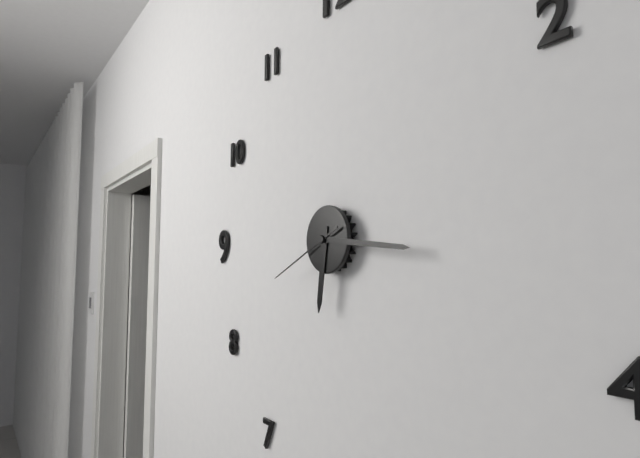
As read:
6.16.41
